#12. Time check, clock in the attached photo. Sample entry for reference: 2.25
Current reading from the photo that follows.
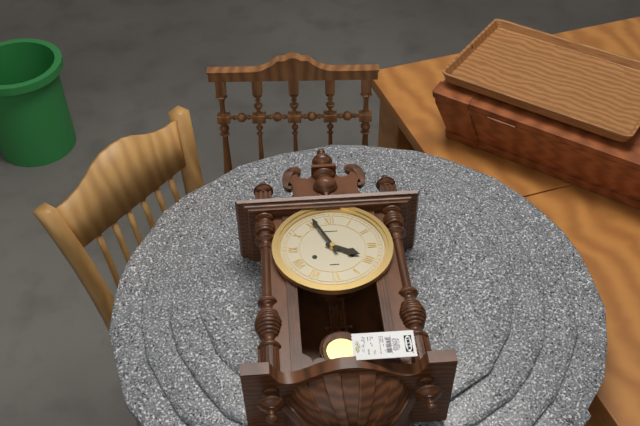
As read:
3.56
